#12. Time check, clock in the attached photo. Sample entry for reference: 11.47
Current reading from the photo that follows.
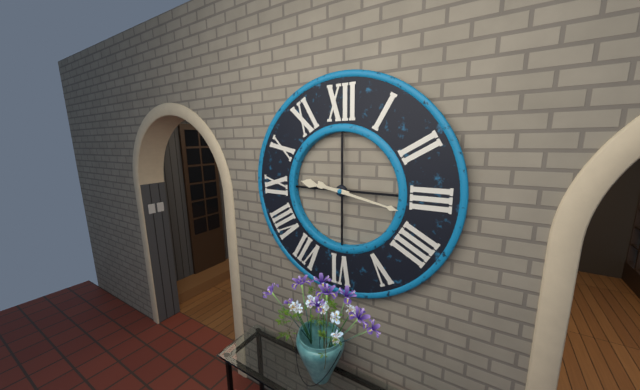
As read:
9.17
